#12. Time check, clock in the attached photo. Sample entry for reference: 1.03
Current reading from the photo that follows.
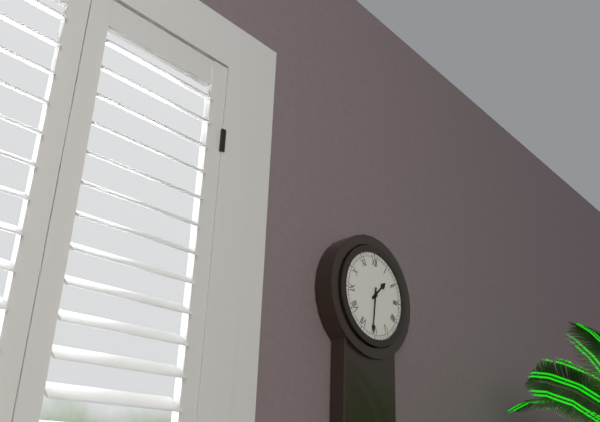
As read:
1.31
